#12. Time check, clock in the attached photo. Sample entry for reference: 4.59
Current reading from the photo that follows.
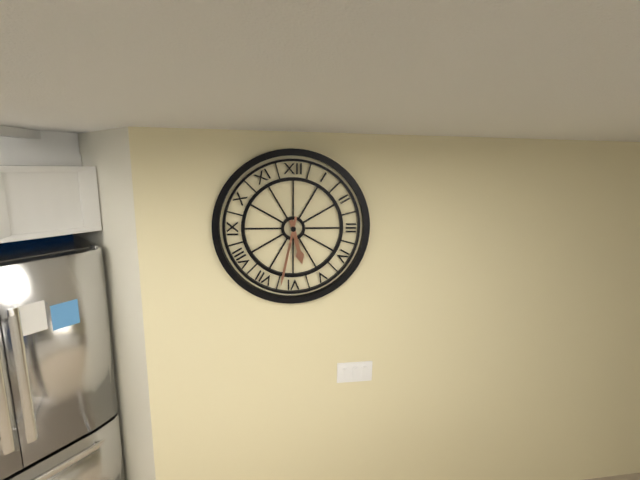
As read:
5.32
